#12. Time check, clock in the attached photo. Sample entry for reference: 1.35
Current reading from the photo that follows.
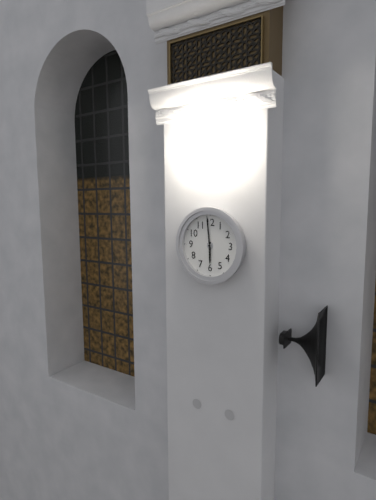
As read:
5.59
